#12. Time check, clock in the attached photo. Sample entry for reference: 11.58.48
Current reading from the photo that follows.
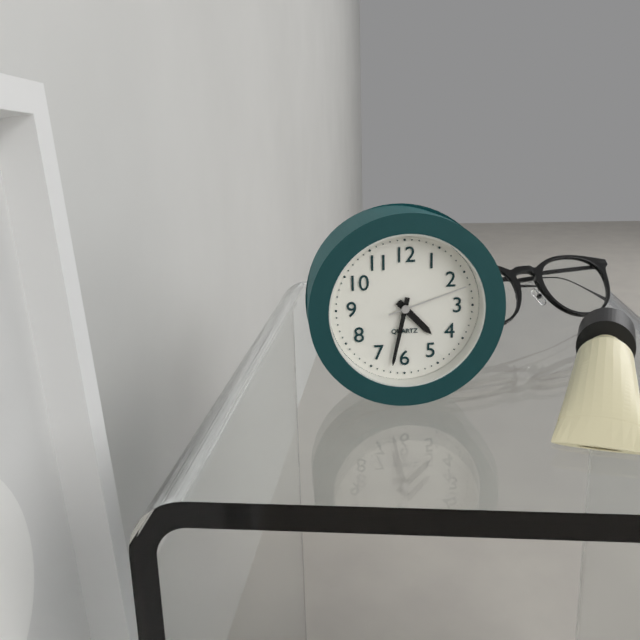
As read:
4.32.12
